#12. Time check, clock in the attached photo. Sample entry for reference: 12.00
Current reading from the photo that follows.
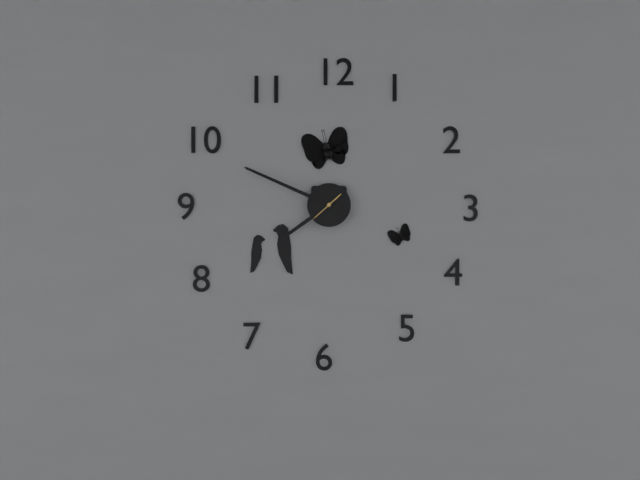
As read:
7.49
